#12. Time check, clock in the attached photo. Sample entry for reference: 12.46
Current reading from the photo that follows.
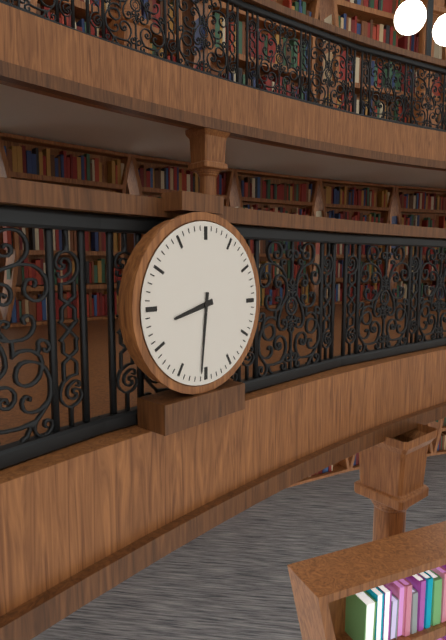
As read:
8.31
